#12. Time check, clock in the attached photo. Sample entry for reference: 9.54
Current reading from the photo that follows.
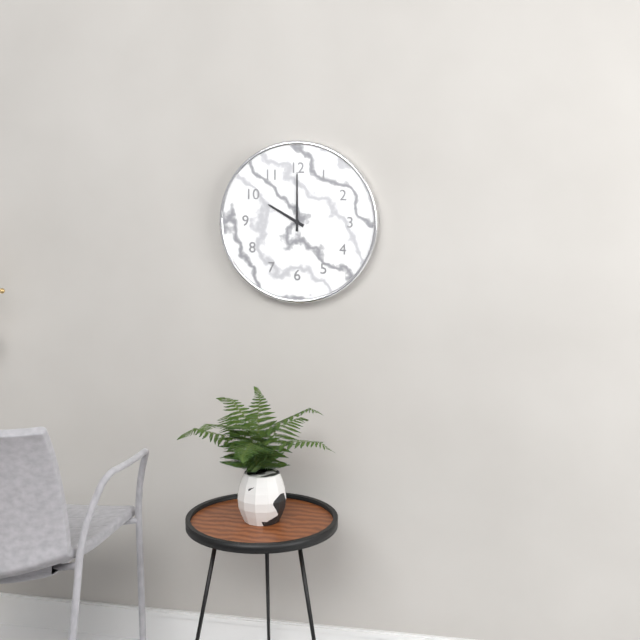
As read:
10.00
